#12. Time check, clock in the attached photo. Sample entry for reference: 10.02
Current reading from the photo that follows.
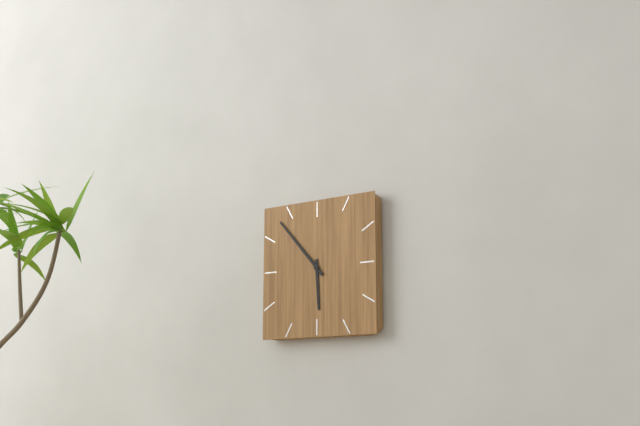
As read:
5.53
